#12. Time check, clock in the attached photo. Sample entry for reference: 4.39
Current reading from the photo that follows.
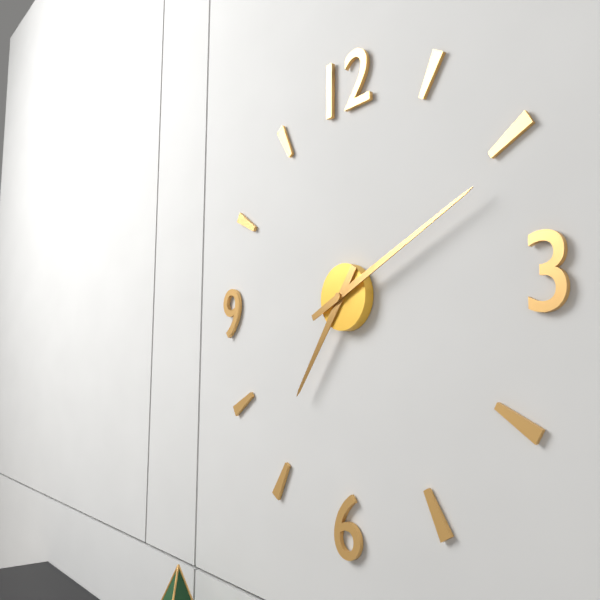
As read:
7.11
